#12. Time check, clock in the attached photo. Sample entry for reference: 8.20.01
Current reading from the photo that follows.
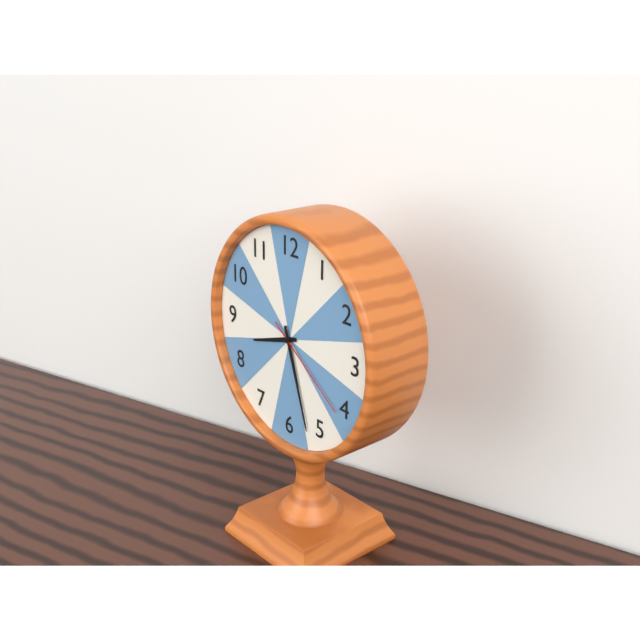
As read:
8.27.21
